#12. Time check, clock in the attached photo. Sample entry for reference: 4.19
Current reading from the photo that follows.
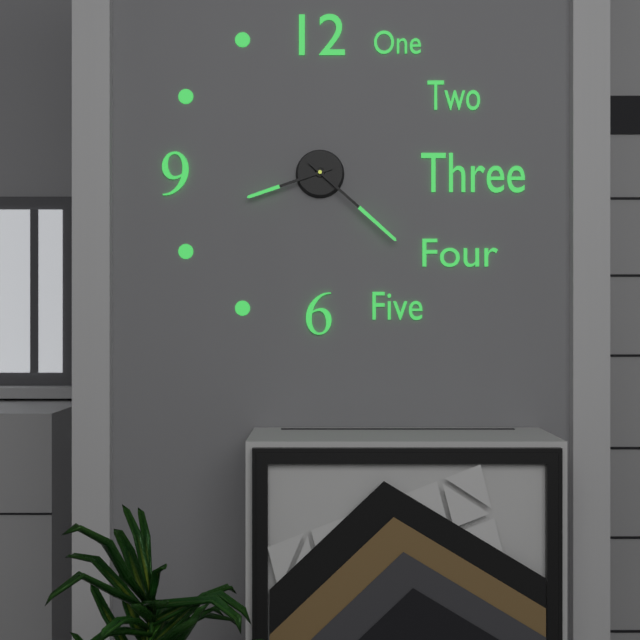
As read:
8.22
